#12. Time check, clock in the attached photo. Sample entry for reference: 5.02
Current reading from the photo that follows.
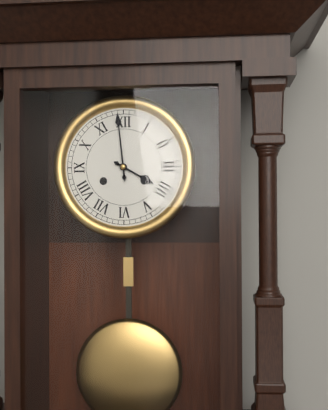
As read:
3.59
